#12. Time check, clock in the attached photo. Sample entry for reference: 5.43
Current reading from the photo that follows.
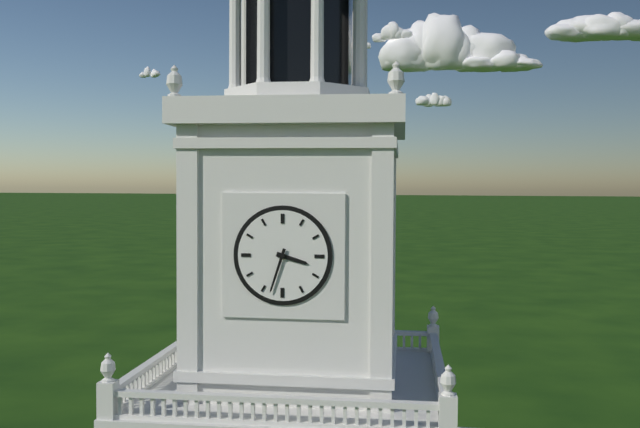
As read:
3.33
